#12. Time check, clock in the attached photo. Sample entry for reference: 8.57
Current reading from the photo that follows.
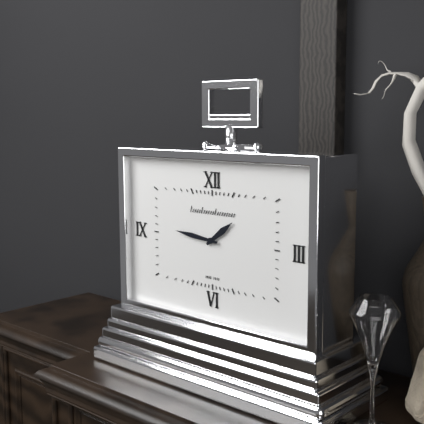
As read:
1.46
